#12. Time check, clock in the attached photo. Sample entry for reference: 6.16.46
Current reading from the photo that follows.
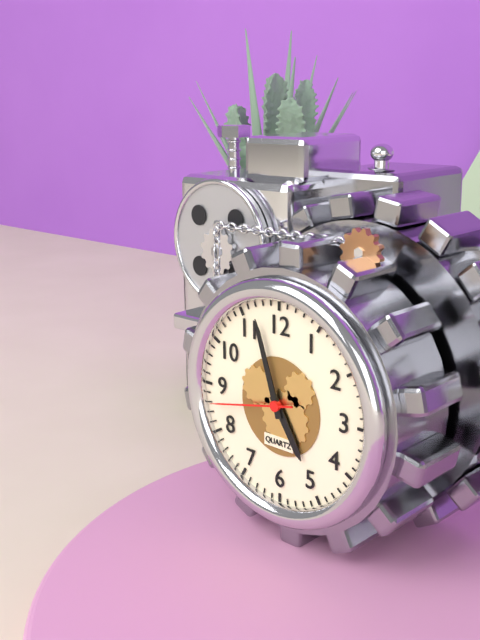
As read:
4.57.43
